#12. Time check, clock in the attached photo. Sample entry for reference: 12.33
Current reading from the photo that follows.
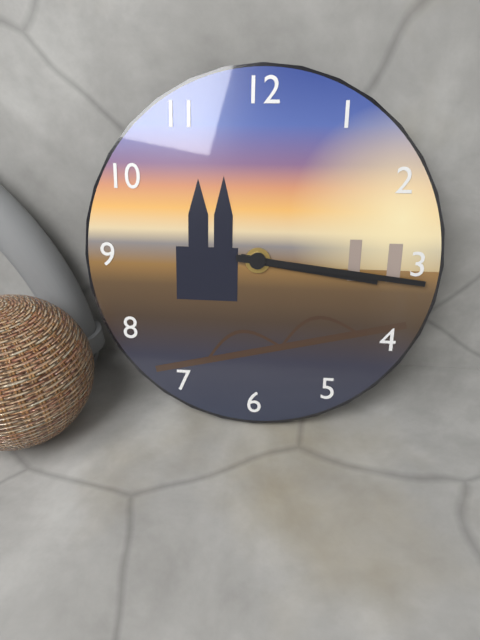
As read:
3.16
